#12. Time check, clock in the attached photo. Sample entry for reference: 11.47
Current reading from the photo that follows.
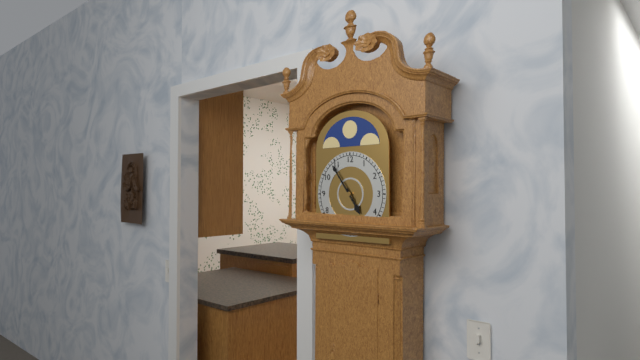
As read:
4.54
